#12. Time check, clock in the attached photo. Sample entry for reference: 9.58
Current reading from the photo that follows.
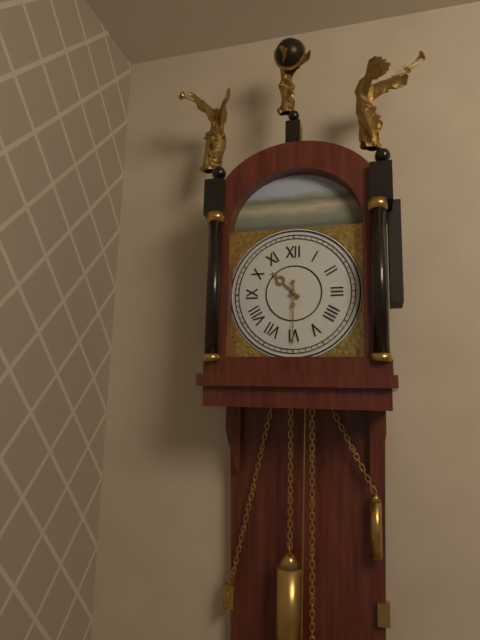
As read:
10.30
